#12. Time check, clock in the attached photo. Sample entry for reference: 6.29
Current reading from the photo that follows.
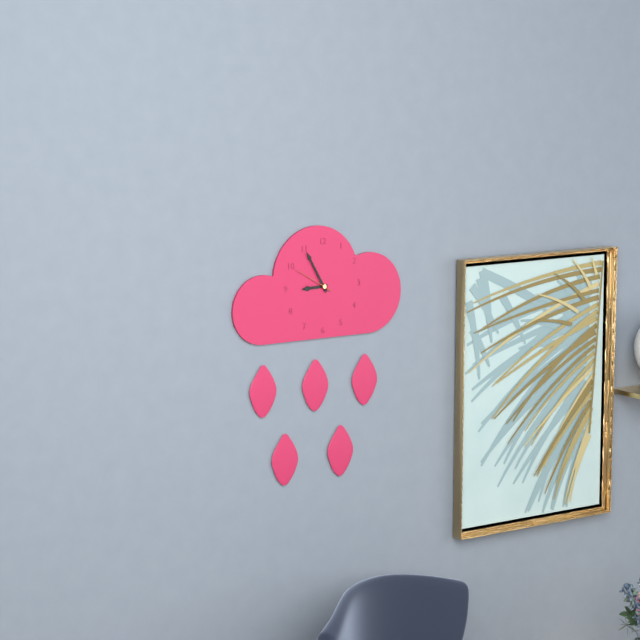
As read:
8.55
